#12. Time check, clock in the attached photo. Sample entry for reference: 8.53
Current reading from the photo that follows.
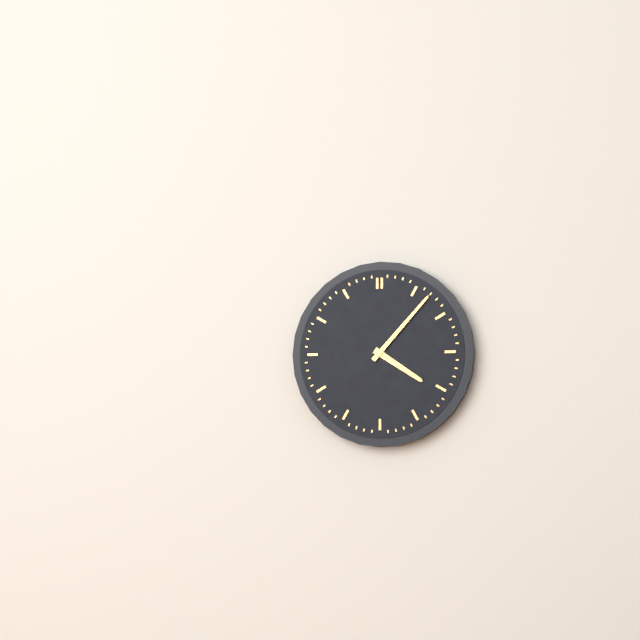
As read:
4.07
